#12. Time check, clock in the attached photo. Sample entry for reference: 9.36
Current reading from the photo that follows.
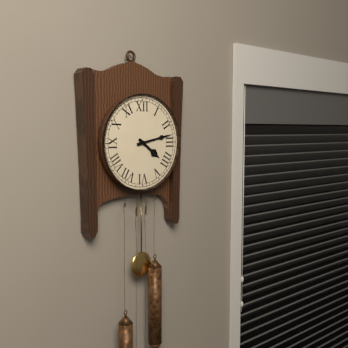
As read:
4.13
